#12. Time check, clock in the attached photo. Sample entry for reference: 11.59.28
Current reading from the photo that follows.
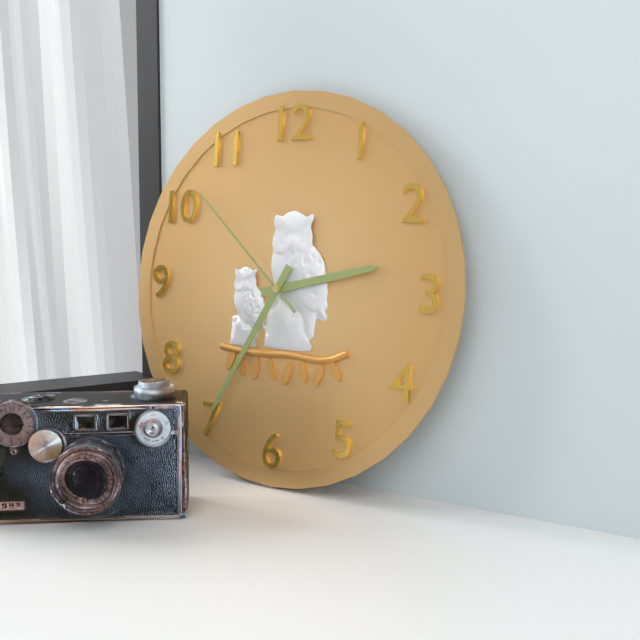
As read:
2.35.52
